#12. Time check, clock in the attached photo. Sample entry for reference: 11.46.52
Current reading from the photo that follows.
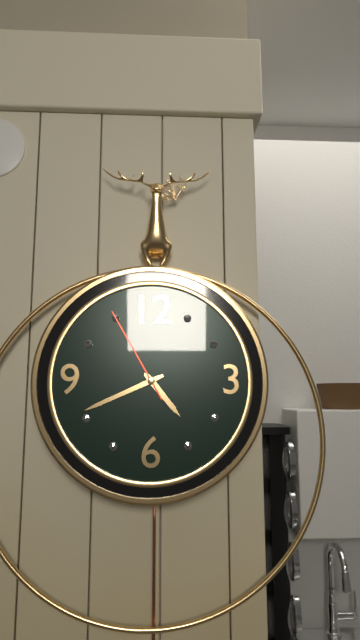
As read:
4.41.55
